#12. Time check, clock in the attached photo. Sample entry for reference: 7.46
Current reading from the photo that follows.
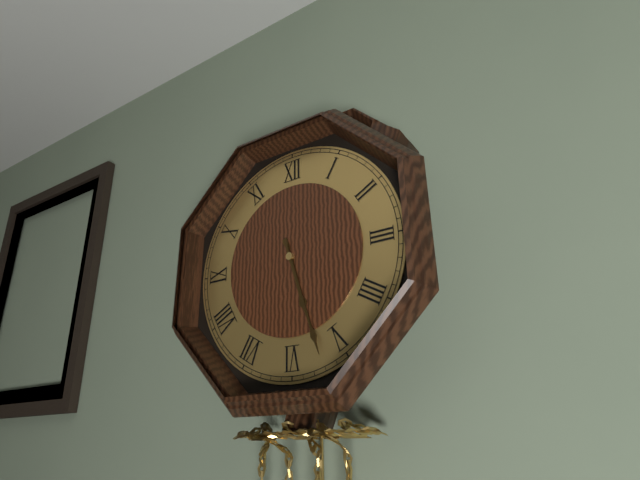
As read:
5.27
